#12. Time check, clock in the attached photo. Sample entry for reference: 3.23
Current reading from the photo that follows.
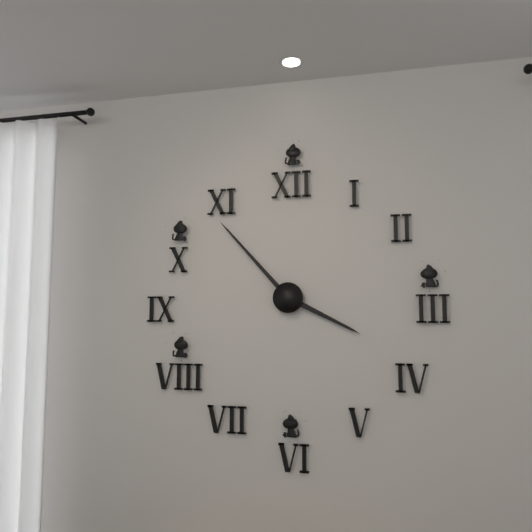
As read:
3.53
